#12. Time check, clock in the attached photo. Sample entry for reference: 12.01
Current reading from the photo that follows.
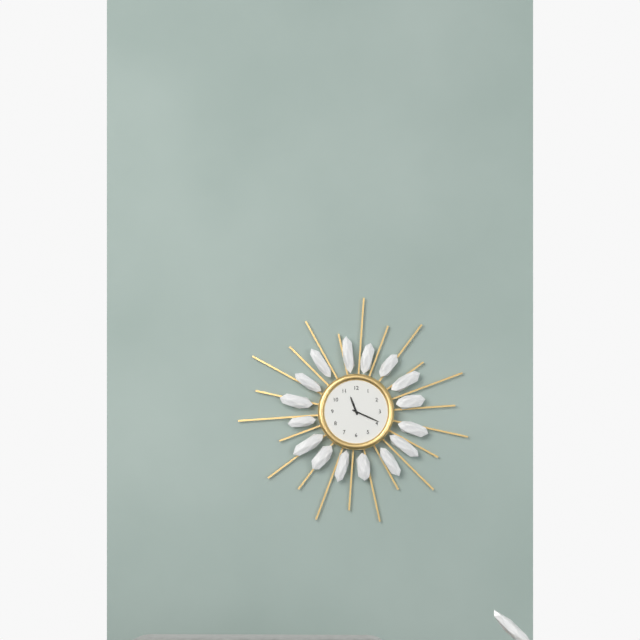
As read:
11.19
